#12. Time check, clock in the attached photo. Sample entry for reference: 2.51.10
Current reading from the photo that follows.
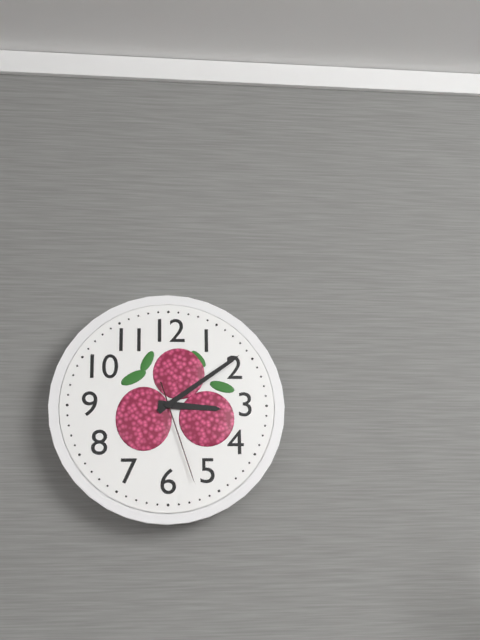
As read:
3.09.27
